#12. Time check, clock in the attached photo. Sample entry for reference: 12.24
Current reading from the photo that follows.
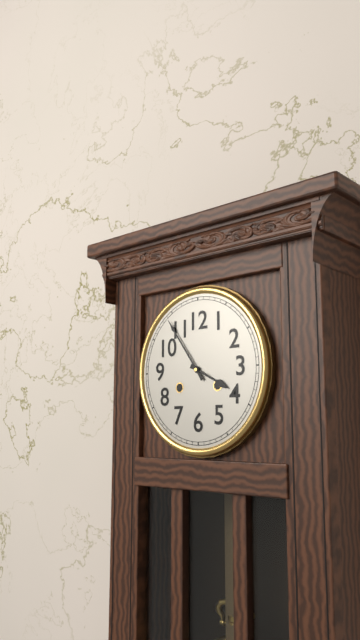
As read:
3.54
